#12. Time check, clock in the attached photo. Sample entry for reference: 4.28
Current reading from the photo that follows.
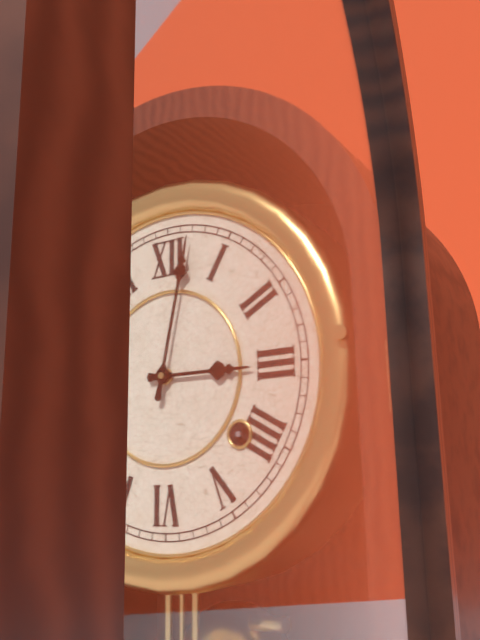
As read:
3.02
